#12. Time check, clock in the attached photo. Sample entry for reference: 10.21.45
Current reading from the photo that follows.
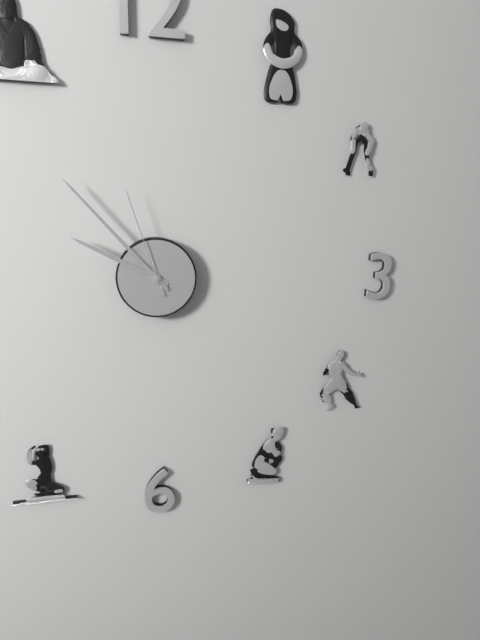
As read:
9.53.57
